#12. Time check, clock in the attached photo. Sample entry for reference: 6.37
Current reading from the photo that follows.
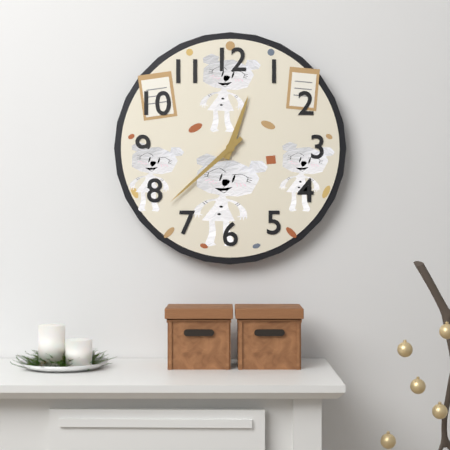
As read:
12.38
